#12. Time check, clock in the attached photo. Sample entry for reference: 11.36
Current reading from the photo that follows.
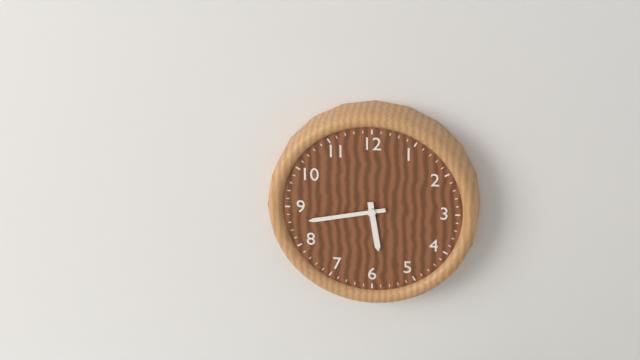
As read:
5.43
